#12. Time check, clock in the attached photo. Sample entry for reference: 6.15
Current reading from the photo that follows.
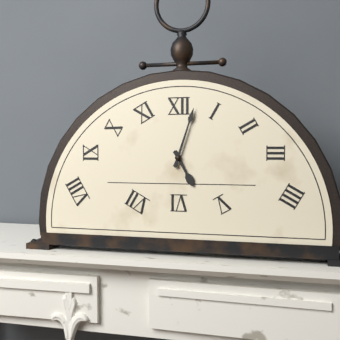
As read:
5.03
